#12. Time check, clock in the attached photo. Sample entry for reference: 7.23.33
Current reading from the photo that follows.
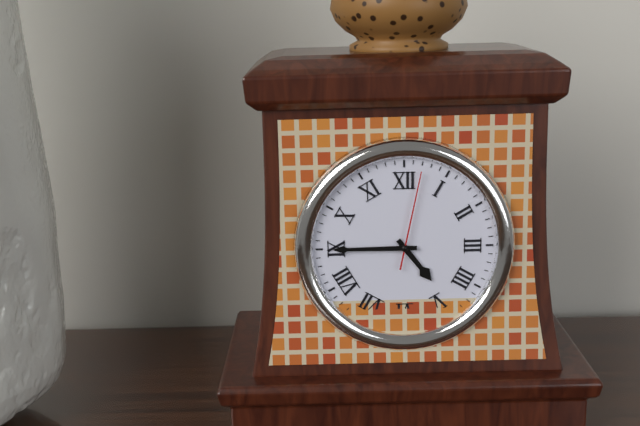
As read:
4.45.02
